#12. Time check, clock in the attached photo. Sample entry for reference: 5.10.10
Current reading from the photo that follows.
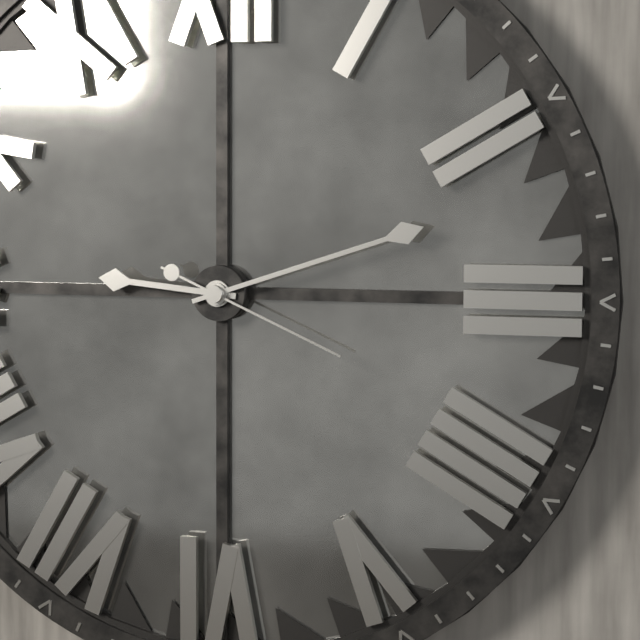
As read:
9.12.19
